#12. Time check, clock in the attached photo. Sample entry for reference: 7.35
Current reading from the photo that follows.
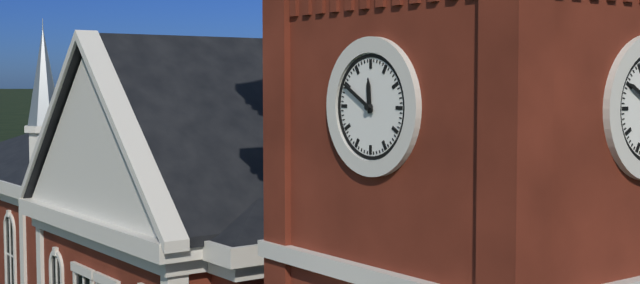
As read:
11.50
